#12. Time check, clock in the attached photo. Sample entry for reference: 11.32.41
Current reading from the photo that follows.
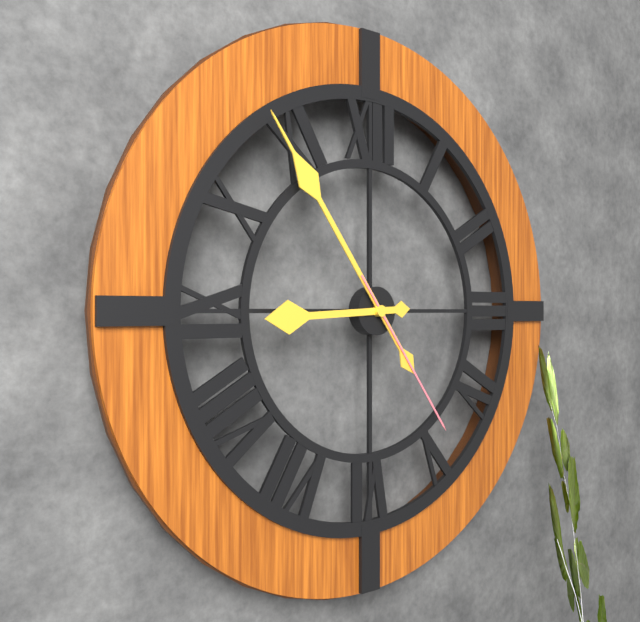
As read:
8.54.24
